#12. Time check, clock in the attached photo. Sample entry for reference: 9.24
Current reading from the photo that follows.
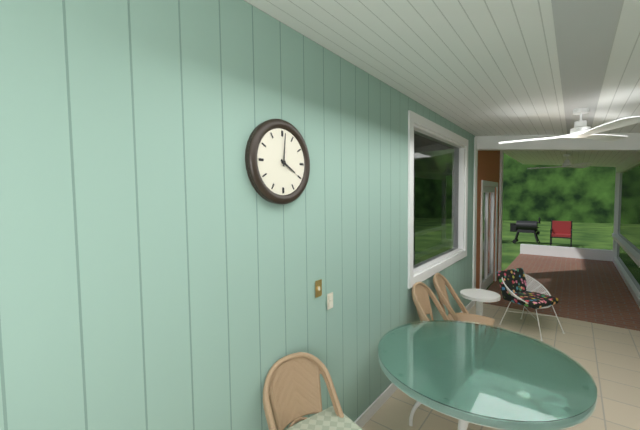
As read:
4.01
